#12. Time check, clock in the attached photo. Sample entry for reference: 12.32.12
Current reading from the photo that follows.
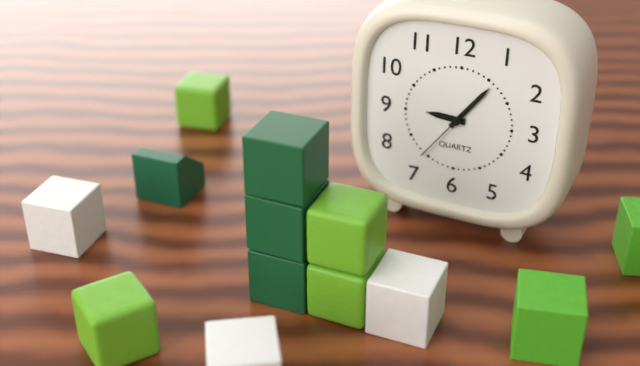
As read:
9.06.36
